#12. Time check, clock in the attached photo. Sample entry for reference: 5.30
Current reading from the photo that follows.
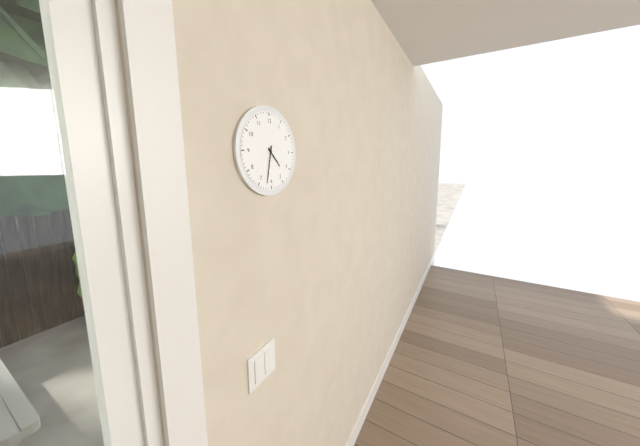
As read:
4.32
